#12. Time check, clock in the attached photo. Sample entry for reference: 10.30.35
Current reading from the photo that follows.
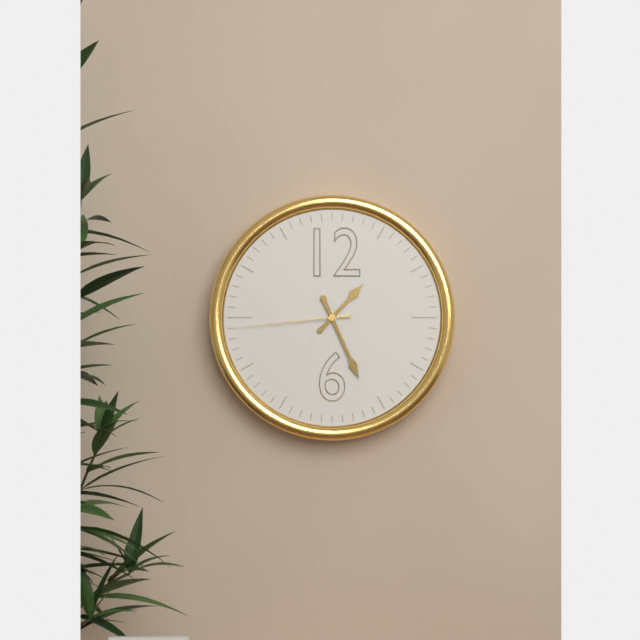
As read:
1.26.44
